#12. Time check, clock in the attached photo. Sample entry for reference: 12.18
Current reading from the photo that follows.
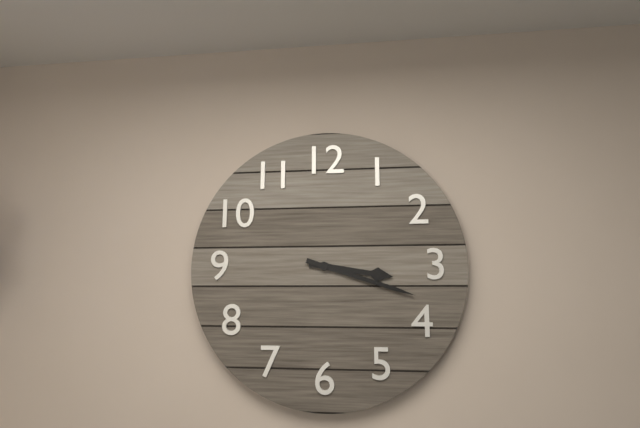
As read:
3.18
